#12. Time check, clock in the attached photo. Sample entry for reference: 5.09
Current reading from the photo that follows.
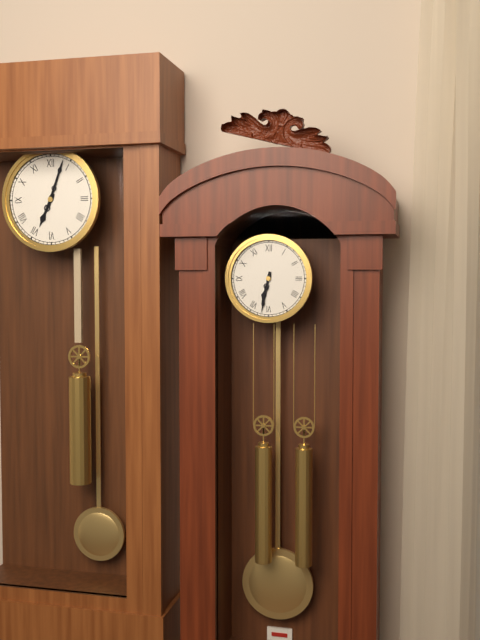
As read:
6.32
